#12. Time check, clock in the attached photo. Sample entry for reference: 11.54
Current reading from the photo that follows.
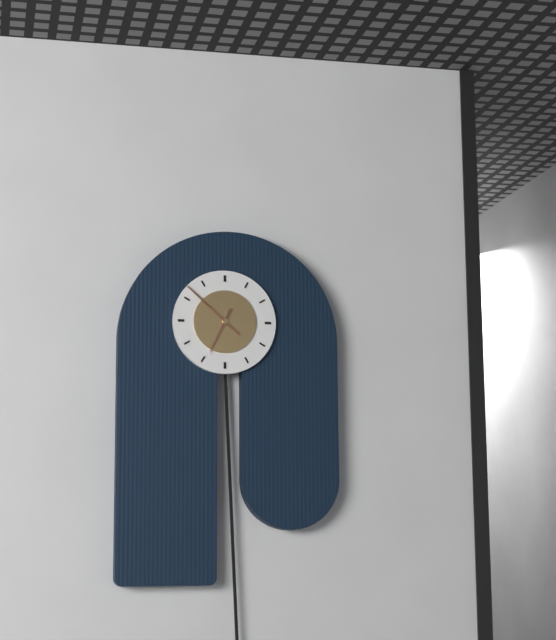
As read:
6.52
